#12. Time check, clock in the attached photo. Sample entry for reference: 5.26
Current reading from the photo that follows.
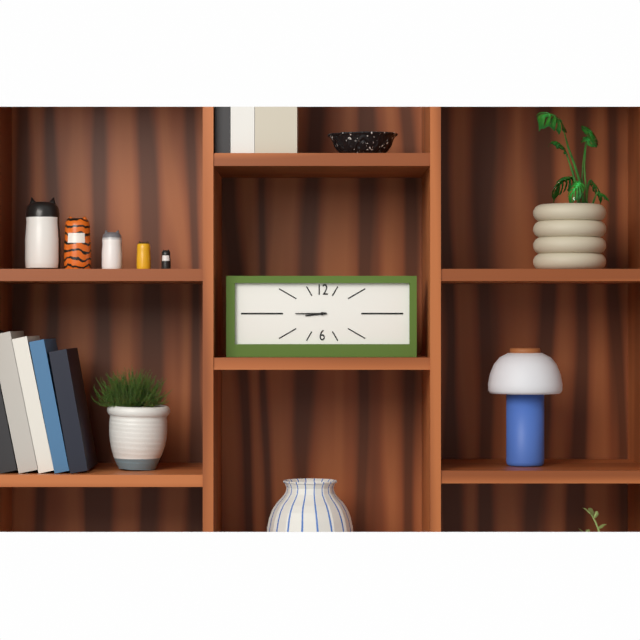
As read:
8.45
